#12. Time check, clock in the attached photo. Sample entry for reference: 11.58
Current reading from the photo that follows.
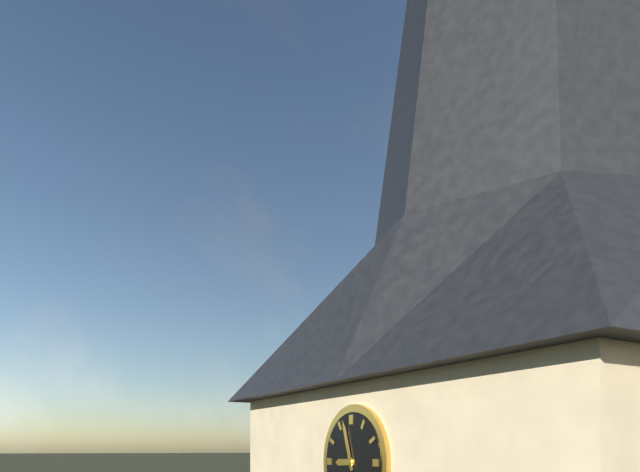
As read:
8.57
